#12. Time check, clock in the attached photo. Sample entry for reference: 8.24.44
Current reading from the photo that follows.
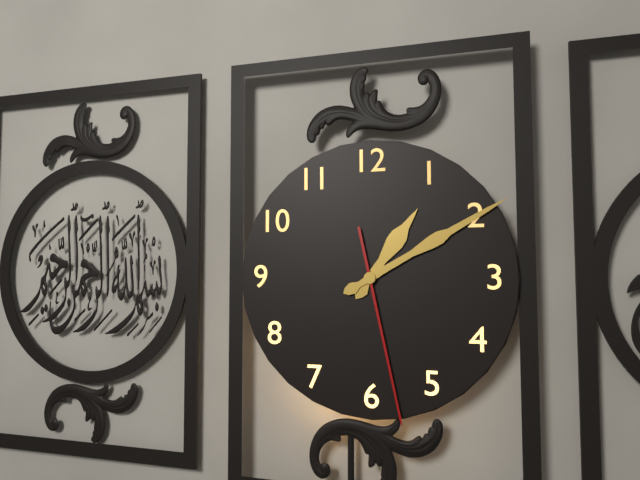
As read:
1.10.28
